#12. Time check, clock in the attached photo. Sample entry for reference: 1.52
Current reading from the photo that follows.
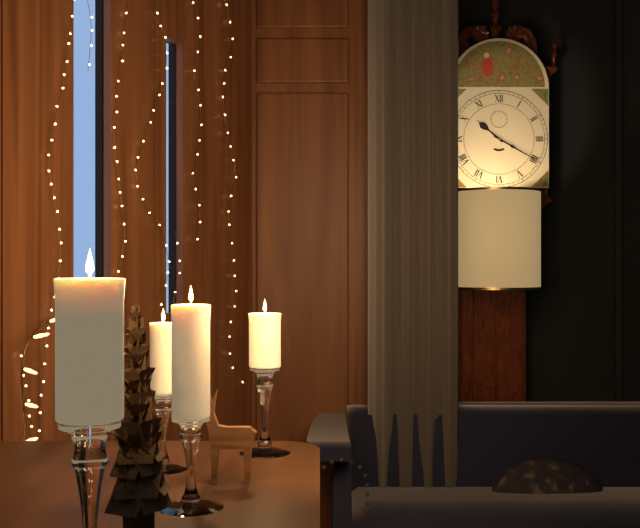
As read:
10.20
